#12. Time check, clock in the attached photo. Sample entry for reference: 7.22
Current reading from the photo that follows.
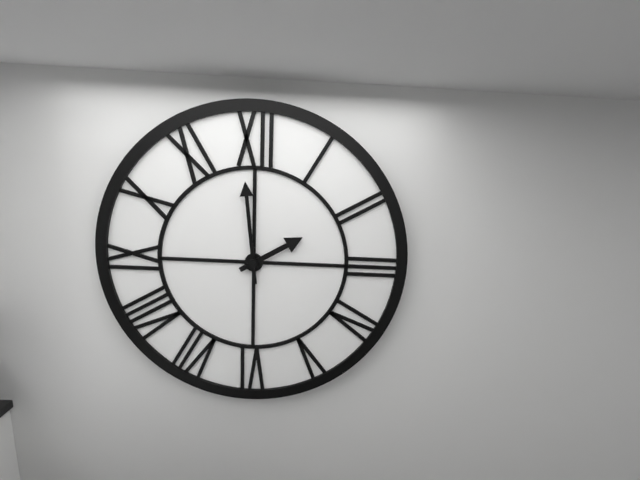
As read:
1.59
